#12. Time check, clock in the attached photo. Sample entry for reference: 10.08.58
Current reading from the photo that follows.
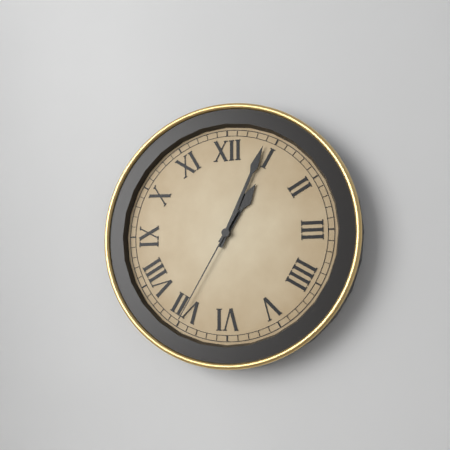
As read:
1.04.35
